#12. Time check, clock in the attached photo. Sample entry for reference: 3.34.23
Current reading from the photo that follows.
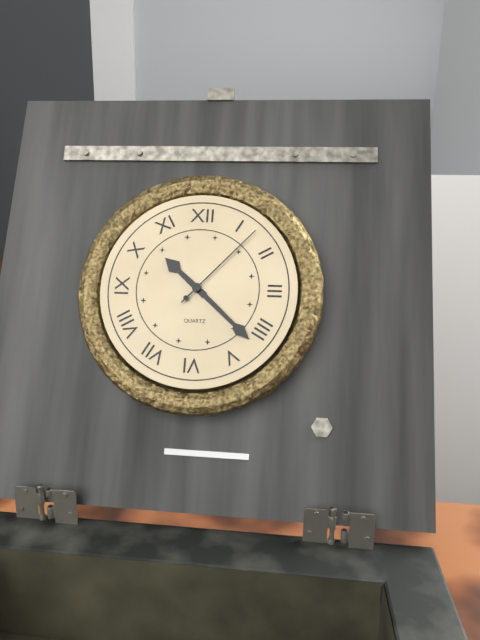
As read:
10.22.07
